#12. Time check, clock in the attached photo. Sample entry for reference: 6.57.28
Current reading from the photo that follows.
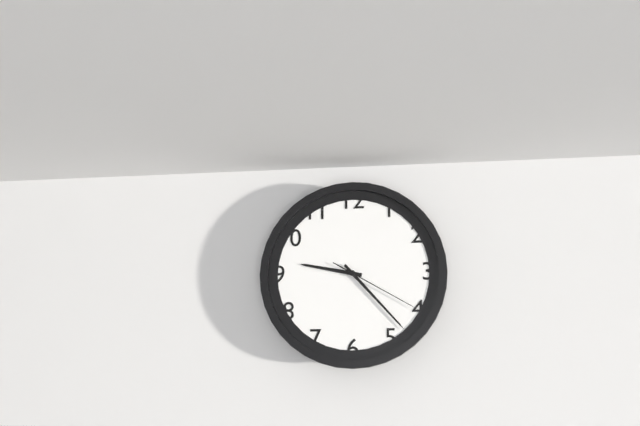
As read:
9.23.20
